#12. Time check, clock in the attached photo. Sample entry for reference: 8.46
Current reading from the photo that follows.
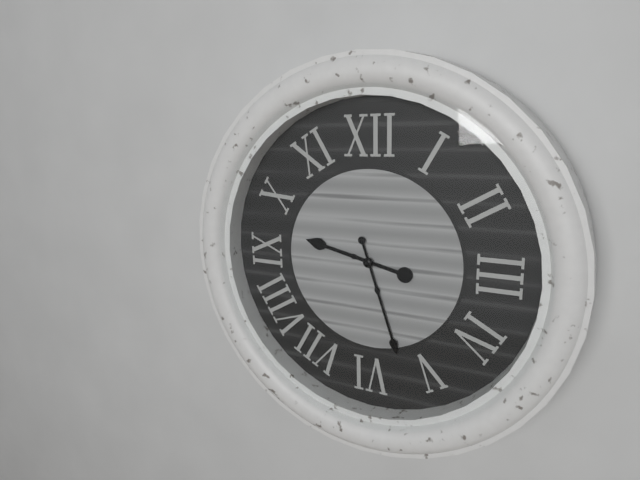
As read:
9.27
